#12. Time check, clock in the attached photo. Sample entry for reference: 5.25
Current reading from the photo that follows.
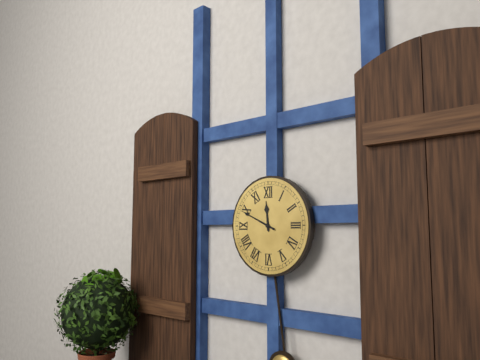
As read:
11.49
